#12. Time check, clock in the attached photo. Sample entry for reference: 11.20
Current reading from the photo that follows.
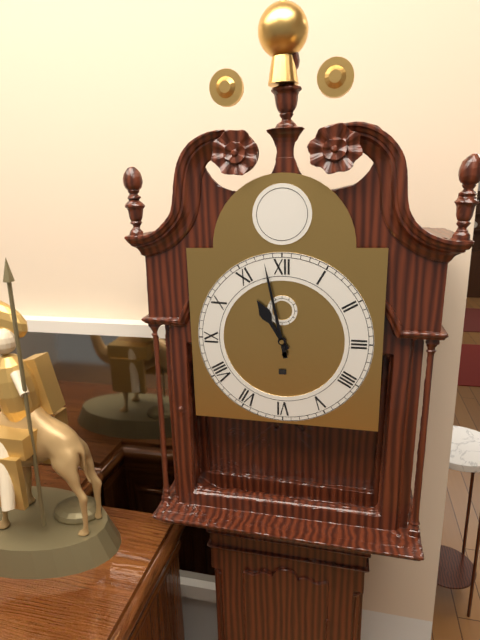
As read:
10.58
